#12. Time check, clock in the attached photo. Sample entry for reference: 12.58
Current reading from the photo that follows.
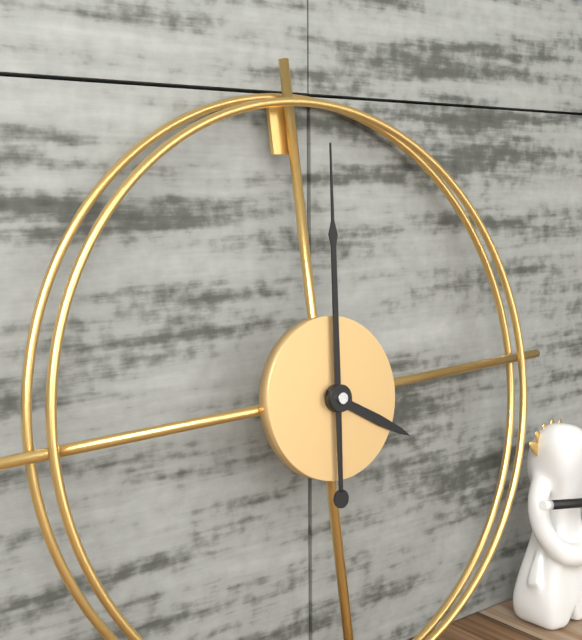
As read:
4.01
